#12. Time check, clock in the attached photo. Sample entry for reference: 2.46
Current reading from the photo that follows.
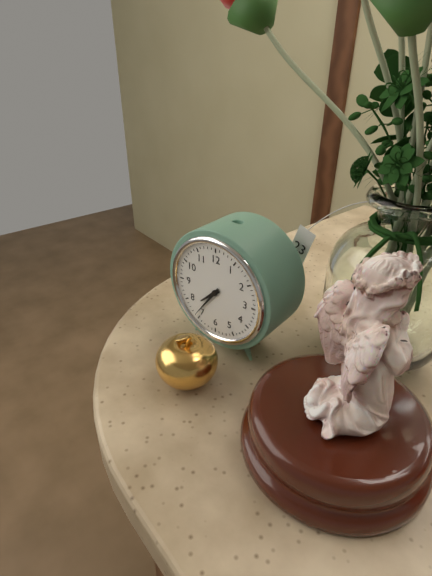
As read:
7.36
